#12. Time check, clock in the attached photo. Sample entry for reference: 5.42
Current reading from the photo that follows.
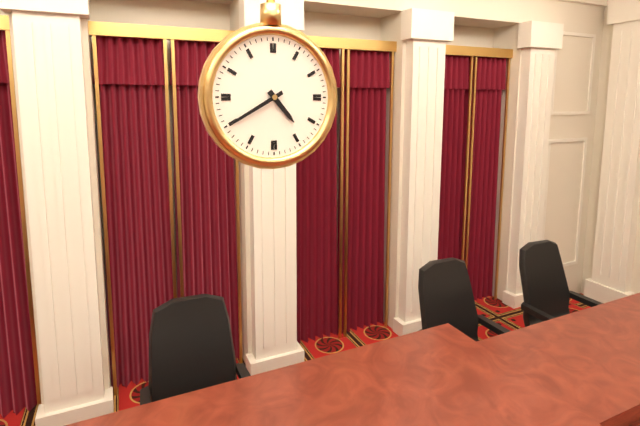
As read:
4.40
